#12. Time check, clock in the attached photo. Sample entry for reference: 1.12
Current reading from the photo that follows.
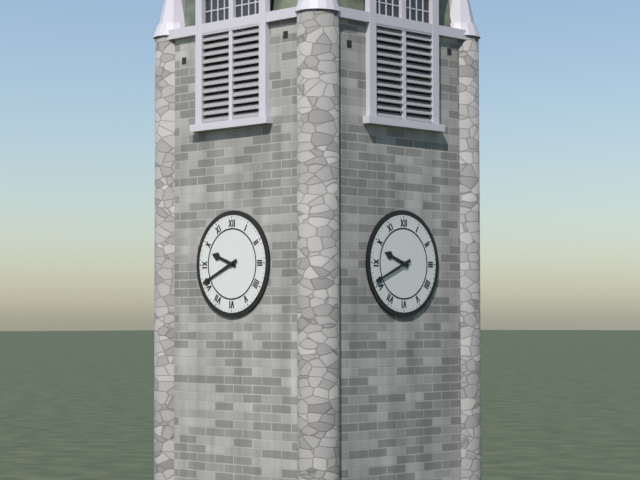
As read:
9.41
